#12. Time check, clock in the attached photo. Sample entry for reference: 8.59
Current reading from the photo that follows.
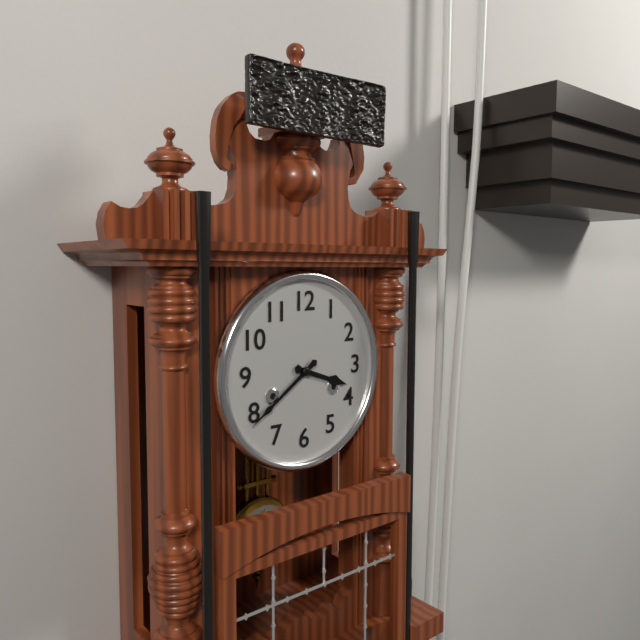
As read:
3.39
